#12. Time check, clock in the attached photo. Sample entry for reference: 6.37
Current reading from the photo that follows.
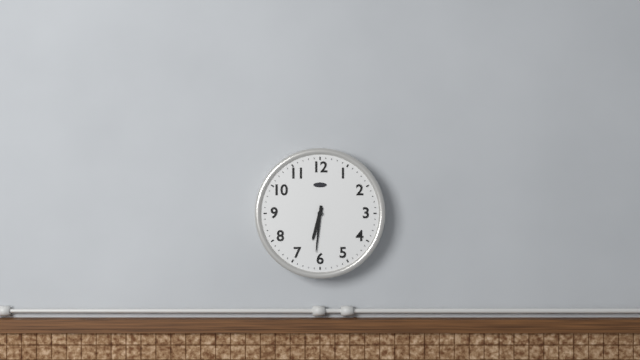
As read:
6.31
